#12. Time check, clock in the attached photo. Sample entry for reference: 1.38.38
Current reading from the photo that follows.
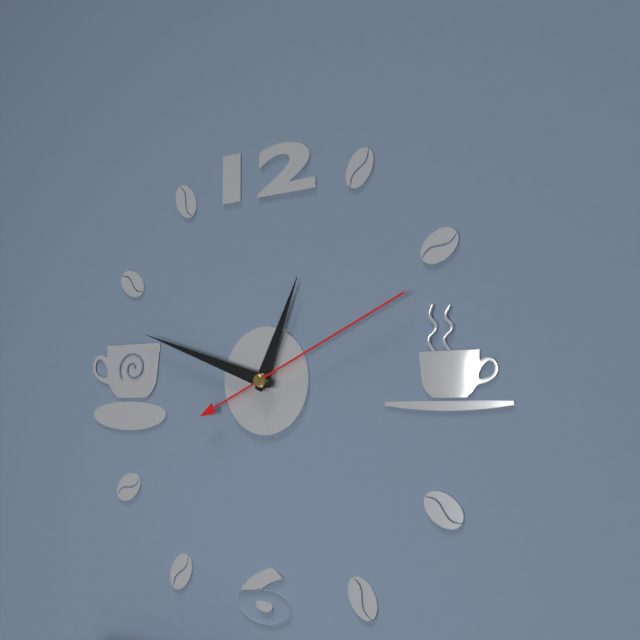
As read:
12.48.11
